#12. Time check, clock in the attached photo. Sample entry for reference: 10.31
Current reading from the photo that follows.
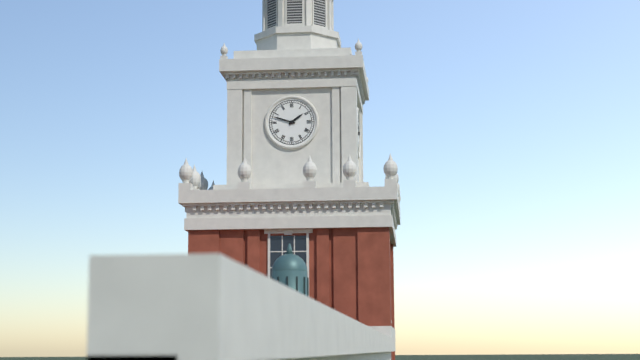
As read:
1.48
